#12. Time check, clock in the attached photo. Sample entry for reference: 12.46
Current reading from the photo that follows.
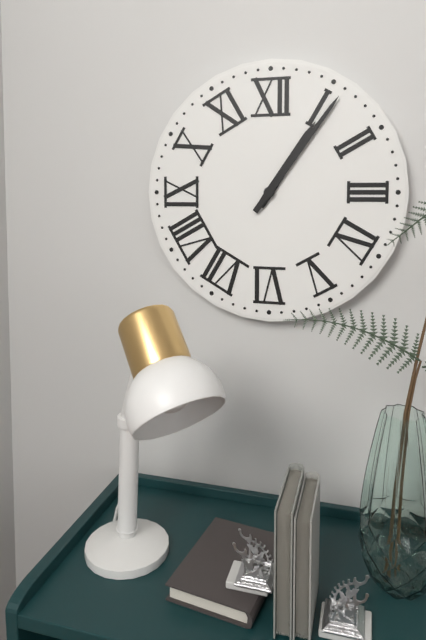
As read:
1.06
